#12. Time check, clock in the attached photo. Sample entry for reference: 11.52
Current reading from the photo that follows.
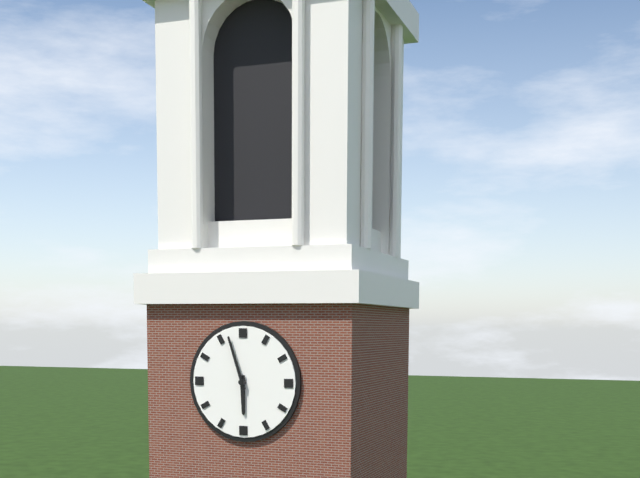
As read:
5.57
